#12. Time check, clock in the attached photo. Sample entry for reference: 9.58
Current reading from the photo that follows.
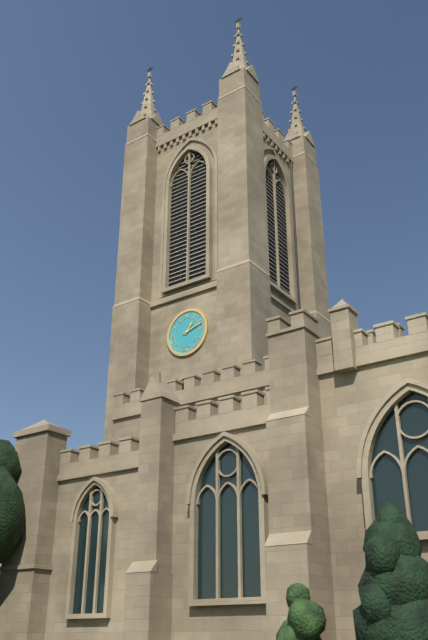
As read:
1.12
